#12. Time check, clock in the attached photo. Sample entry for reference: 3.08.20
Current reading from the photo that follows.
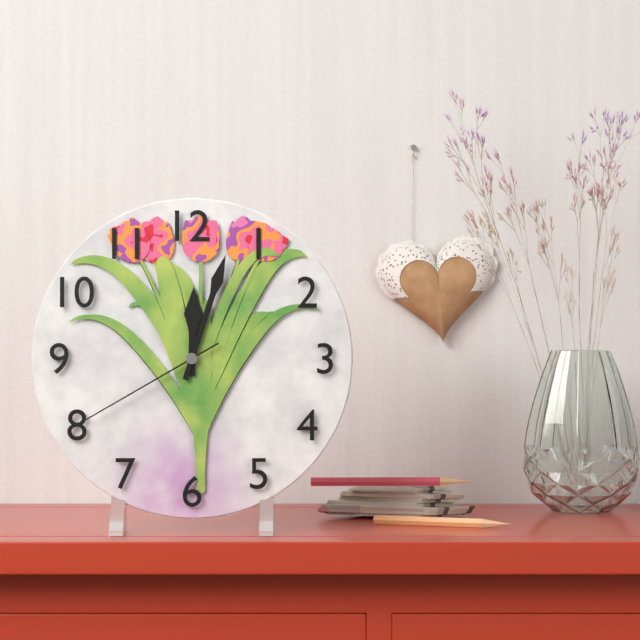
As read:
12.03.40
